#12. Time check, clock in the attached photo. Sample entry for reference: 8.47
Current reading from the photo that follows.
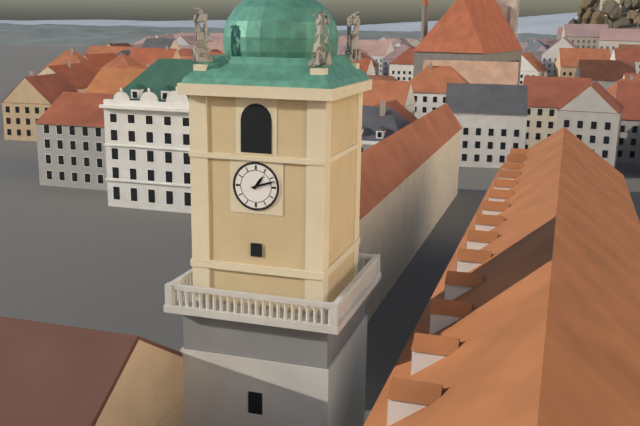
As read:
1.12
